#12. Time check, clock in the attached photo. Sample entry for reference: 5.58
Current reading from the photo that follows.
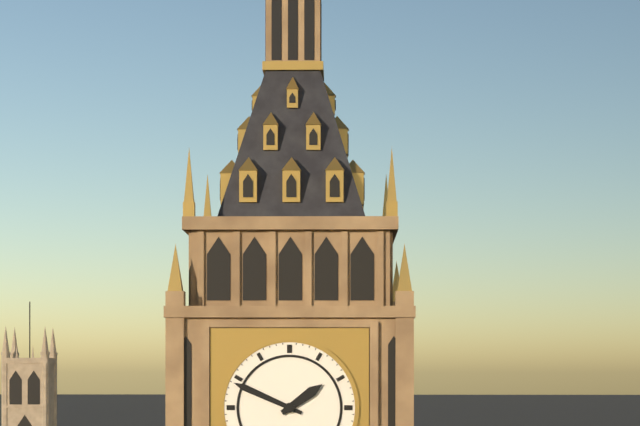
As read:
1.49
